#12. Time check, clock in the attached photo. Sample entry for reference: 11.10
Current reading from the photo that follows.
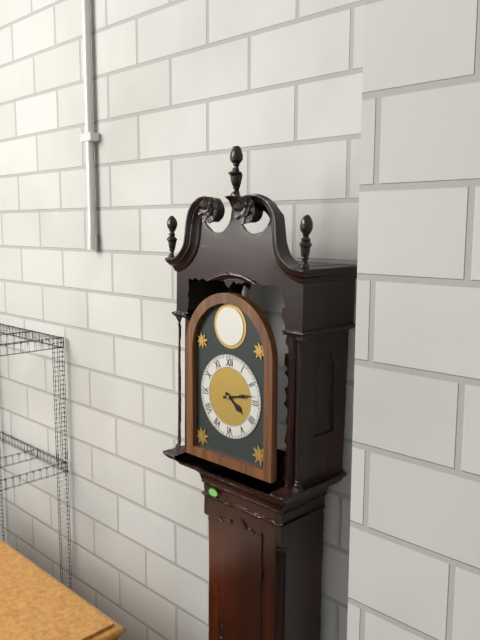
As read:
4.13
